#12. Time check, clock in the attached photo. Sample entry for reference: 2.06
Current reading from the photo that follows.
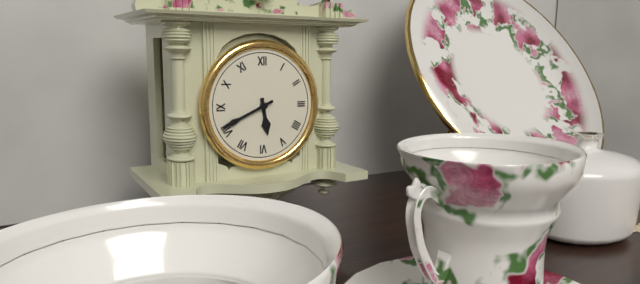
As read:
5.41
